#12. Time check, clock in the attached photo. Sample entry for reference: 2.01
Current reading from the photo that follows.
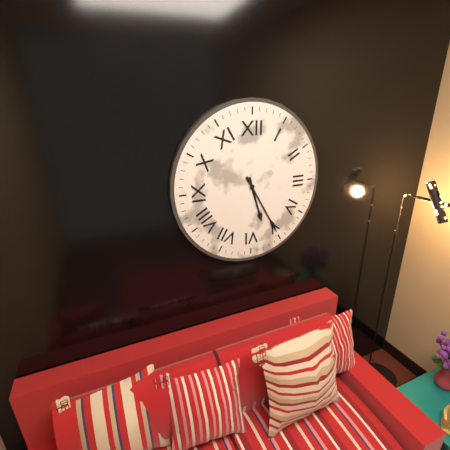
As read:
5.25
